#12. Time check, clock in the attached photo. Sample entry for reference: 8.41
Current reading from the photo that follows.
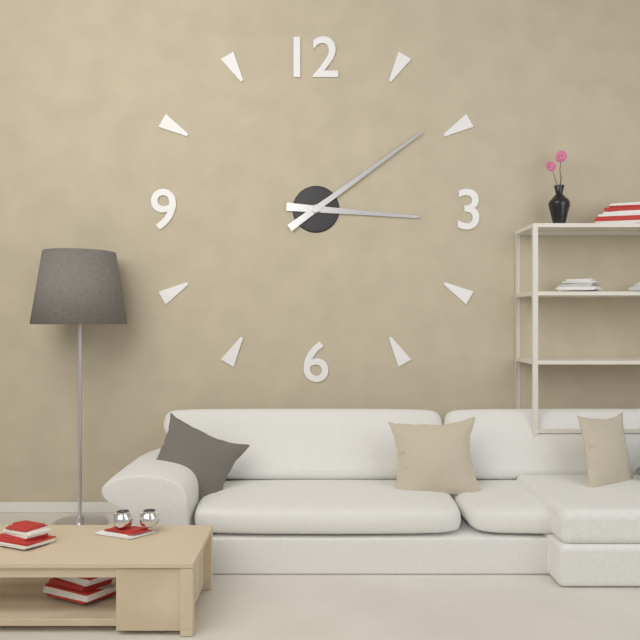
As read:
3.09
